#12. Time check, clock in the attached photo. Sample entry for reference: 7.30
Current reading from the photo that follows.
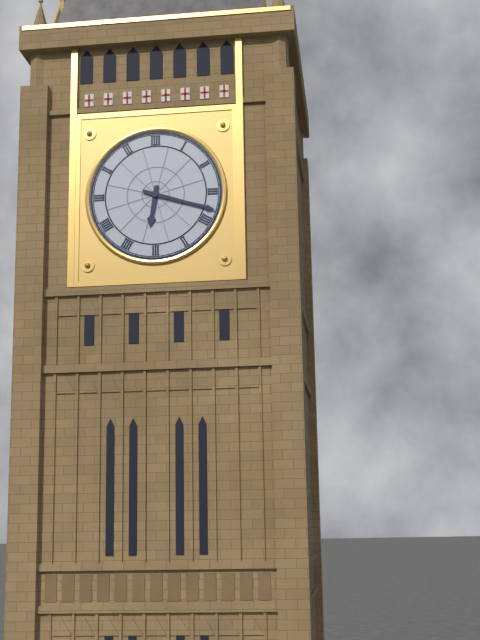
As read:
6.18
